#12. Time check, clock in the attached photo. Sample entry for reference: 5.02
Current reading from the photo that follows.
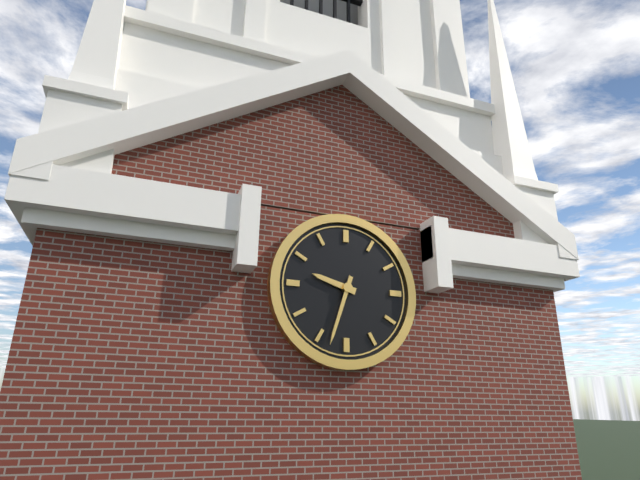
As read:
9.33
